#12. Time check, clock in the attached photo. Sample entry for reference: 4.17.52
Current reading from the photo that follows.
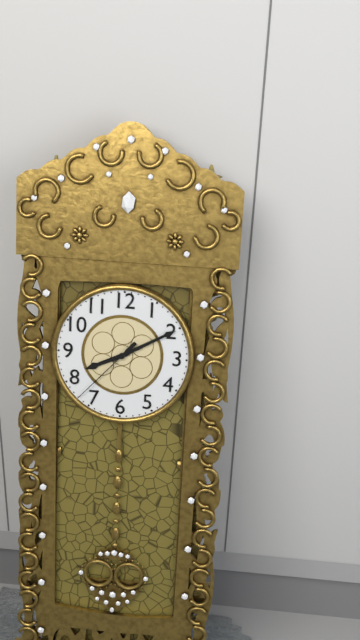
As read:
8.10.37
